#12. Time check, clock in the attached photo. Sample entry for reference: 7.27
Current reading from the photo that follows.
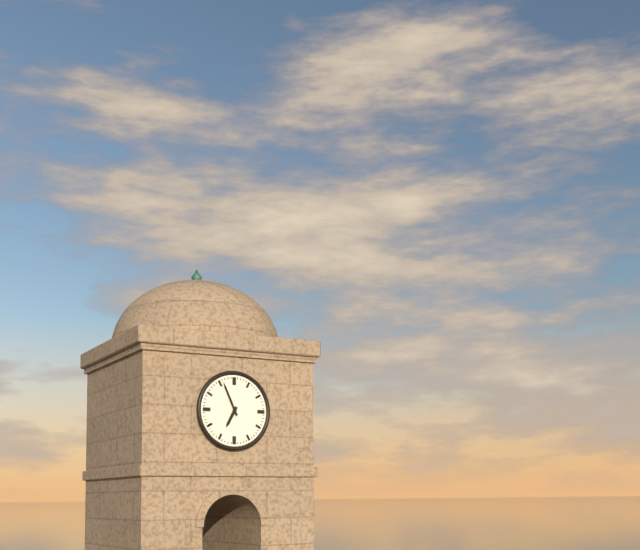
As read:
6.56
